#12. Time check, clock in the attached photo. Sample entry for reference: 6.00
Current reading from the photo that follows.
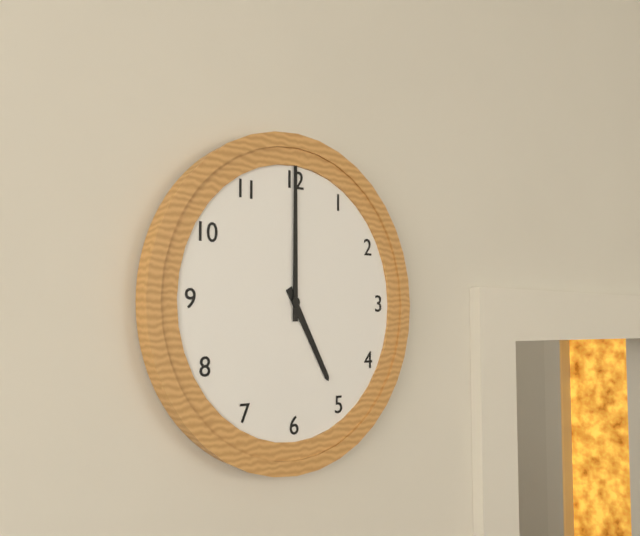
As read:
5.00
